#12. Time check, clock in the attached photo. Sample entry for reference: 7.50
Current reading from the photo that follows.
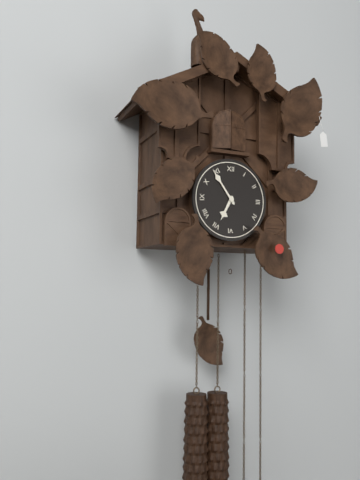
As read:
6.54
